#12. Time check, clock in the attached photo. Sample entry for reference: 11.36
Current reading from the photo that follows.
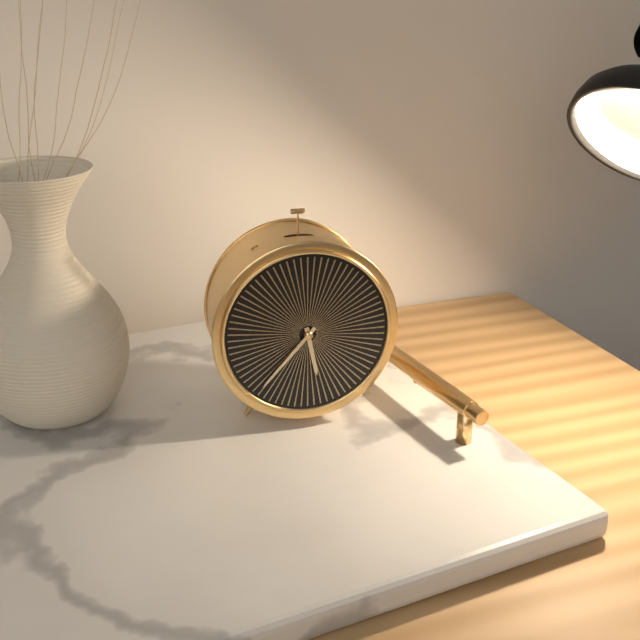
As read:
5.37
